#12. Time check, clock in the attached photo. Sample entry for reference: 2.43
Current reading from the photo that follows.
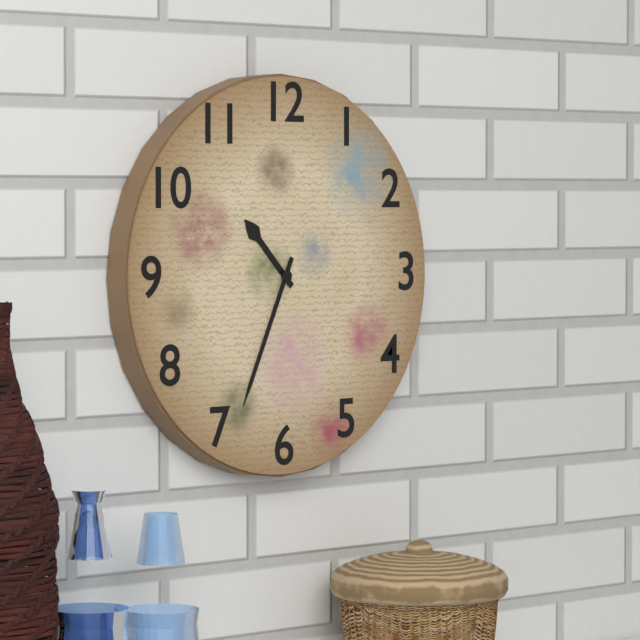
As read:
10.34
